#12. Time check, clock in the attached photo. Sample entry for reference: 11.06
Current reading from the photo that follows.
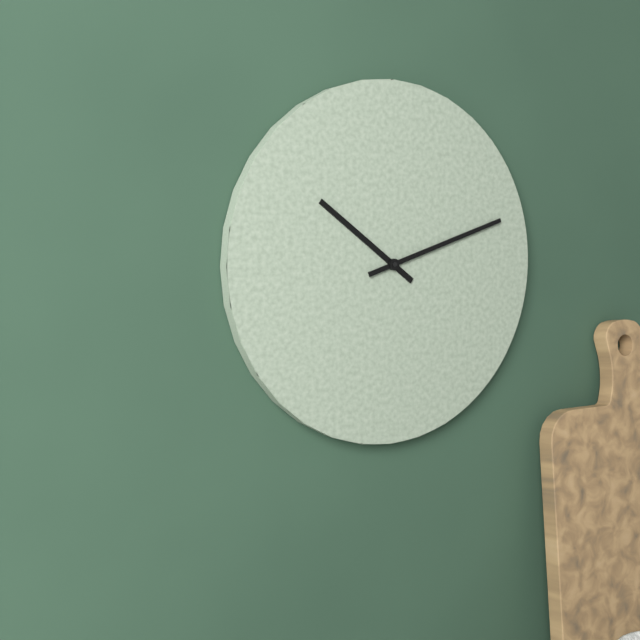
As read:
10.12
